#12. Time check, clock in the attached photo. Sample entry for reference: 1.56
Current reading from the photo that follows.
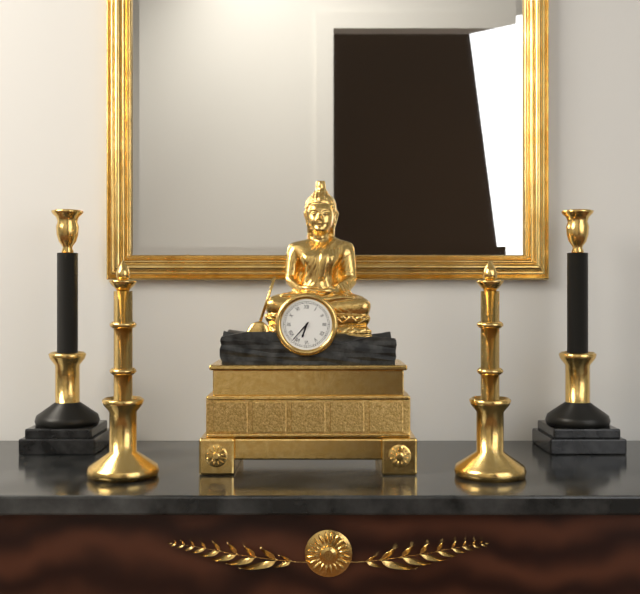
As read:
6.37
